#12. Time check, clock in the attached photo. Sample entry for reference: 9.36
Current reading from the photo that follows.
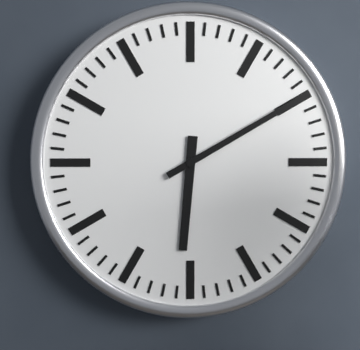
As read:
6.10
